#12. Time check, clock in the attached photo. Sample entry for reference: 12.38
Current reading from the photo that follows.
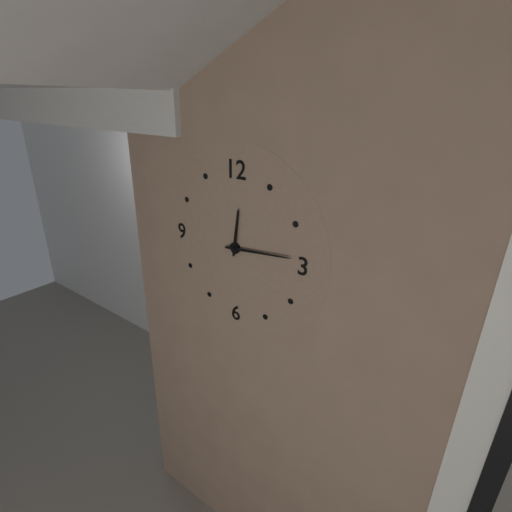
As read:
12.14
